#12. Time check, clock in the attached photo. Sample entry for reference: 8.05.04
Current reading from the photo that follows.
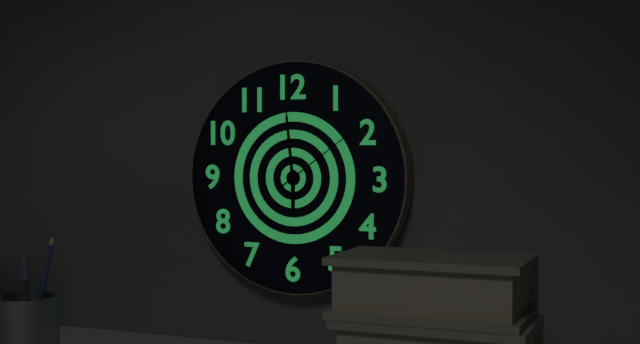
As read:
5.59.09
